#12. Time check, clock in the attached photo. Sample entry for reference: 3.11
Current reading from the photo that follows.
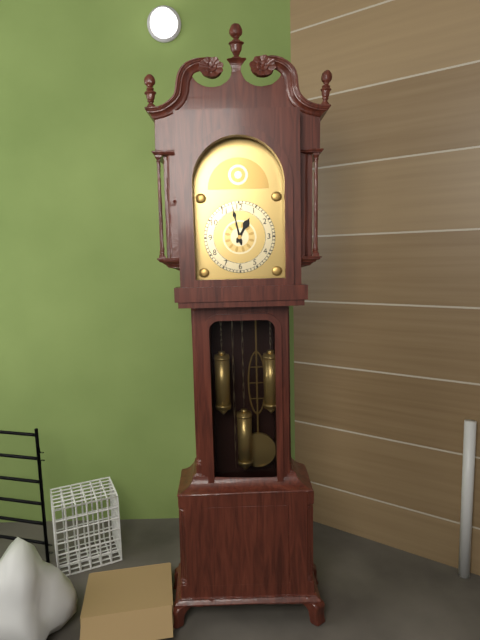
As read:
12.58
